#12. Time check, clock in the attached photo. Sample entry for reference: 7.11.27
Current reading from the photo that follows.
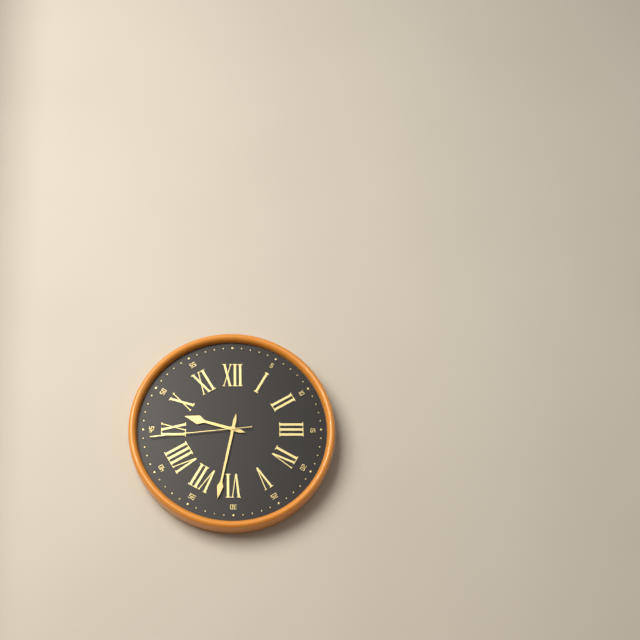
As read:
9.32.44
